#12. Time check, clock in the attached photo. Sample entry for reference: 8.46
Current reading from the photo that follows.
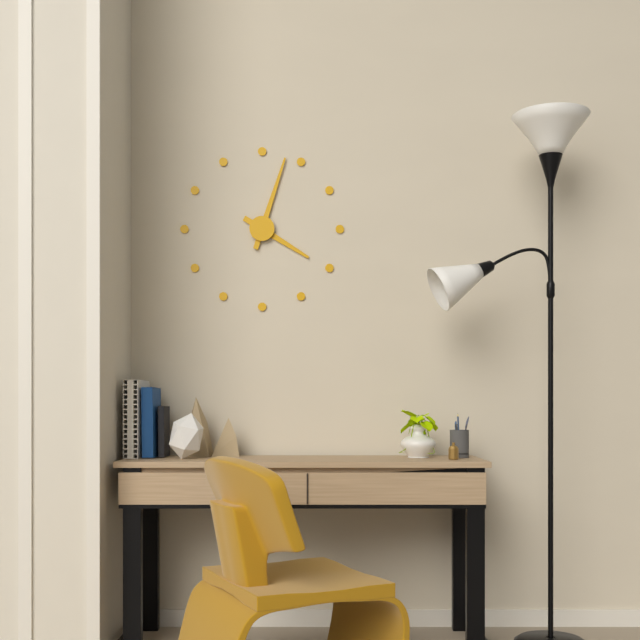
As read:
4.03
